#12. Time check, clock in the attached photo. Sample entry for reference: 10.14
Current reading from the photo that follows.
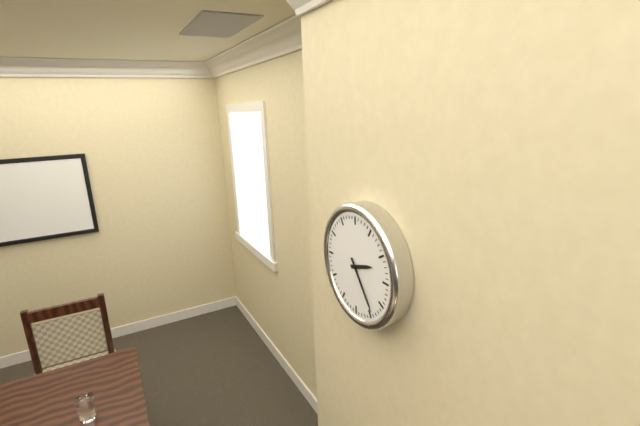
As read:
2.24
